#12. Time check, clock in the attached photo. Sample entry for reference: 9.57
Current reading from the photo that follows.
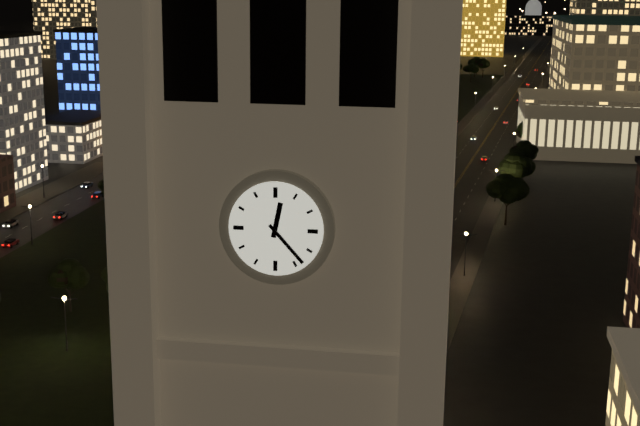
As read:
12.23
